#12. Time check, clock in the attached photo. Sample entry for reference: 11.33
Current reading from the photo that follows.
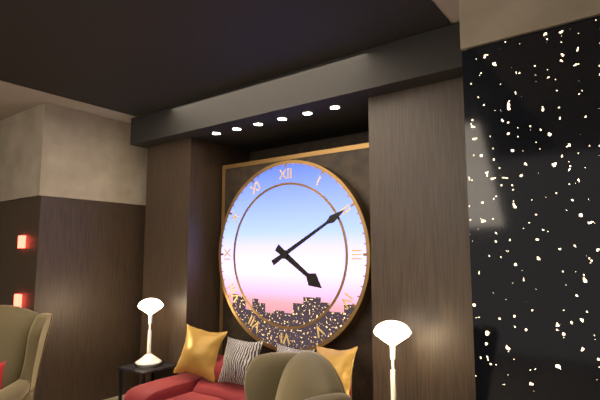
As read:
4.10
